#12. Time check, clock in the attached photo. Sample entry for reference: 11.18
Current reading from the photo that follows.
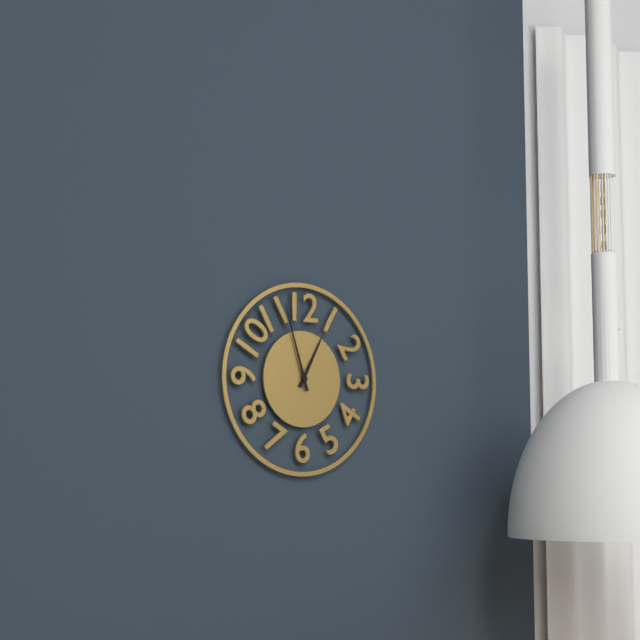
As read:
12.57
